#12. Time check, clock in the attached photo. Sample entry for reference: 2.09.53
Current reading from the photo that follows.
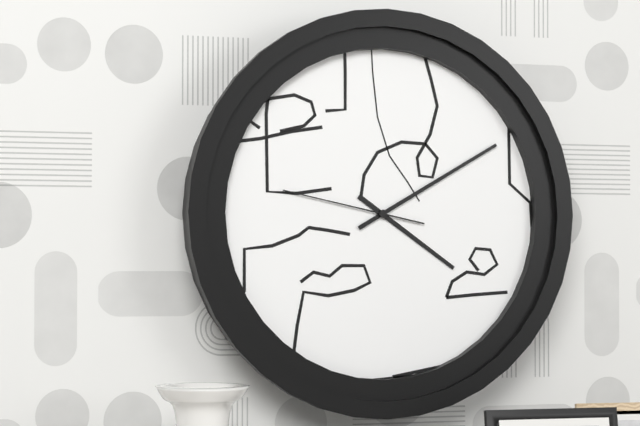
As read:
4.10.47
